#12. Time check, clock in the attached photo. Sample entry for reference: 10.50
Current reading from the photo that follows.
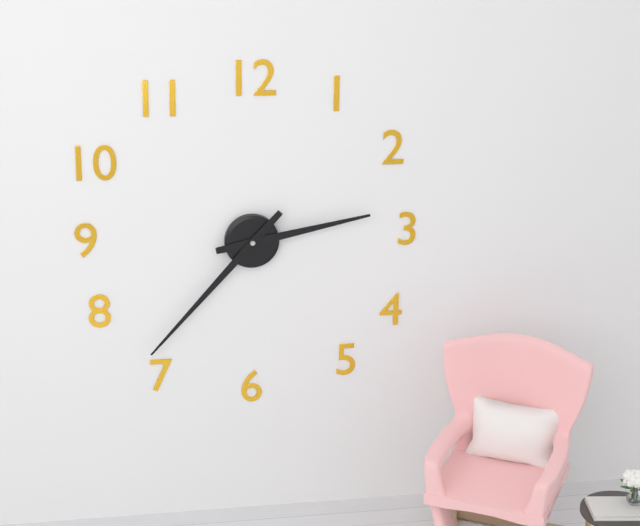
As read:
2.37
